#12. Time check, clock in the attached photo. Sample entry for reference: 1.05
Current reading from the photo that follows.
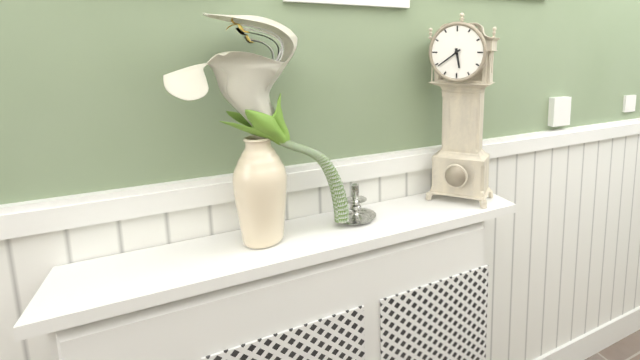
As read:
5.39
